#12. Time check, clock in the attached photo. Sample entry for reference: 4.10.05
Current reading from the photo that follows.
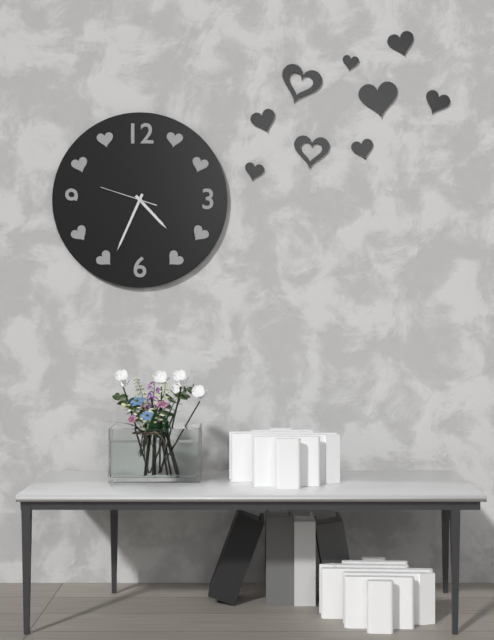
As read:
4.34.48
